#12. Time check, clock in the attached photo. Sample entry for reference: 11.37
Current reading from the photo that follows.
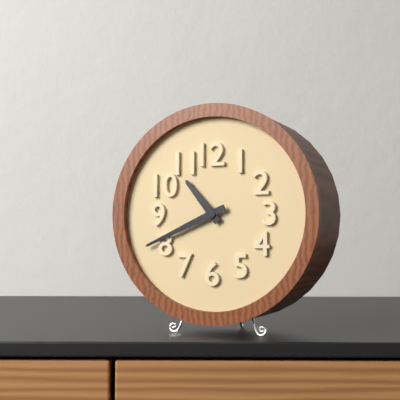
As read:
10.41
